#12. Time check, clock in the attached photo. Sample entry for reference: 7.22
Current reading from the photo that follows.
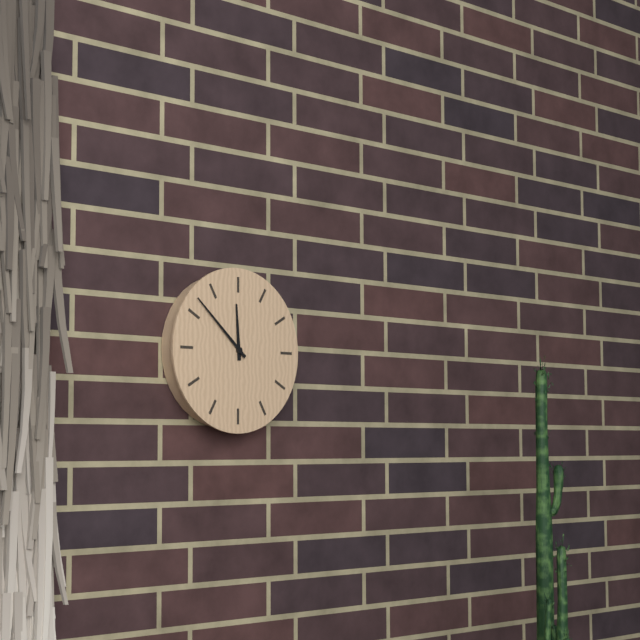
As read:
11.52
